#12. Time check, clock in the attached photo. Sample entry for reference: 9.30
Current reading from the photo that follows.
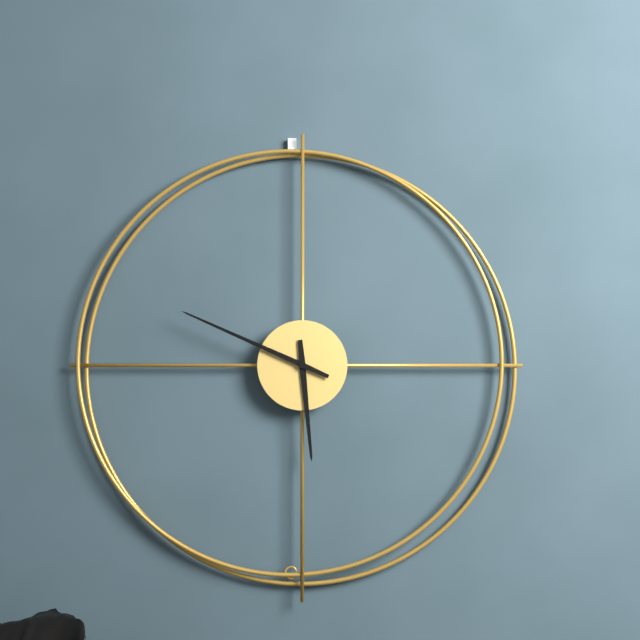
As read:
5.49
